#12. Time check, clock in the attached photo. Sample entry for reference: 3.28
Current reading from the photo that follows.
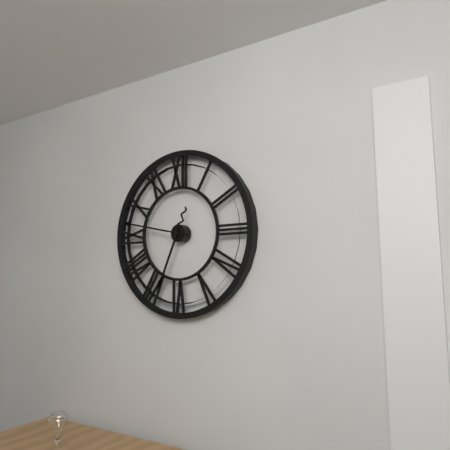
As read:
6.47
